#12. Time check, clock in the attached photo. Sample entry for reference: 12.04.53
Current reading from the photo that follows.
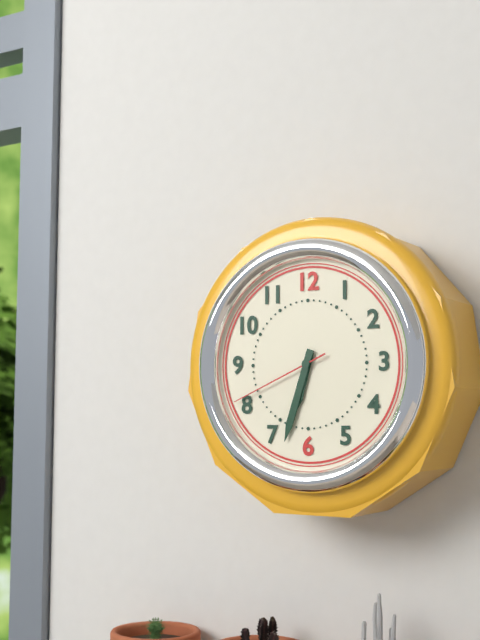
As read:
6.33.41
